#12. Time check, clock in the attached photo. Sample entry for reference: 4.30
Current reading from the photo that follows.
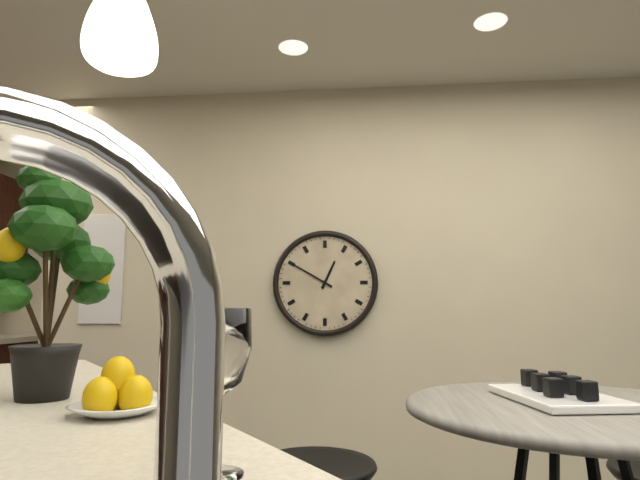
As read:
12.50
